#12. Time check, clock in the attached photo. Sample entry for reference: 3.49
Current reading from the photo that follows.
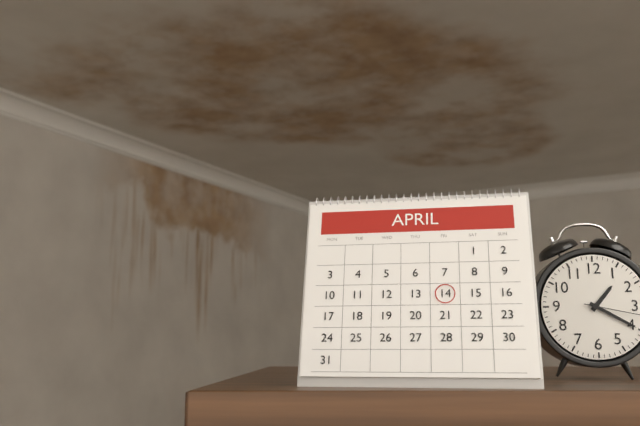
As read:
1.20
